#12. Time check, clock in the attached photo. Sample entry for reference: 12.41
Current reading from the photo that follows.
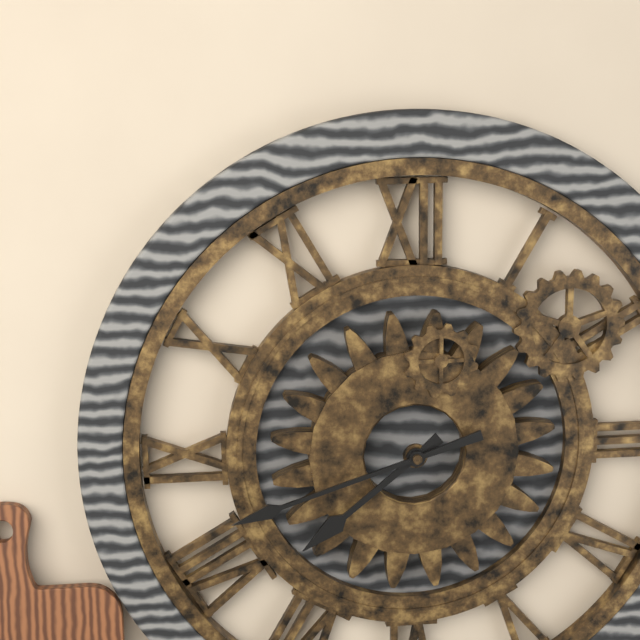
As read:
7.42
